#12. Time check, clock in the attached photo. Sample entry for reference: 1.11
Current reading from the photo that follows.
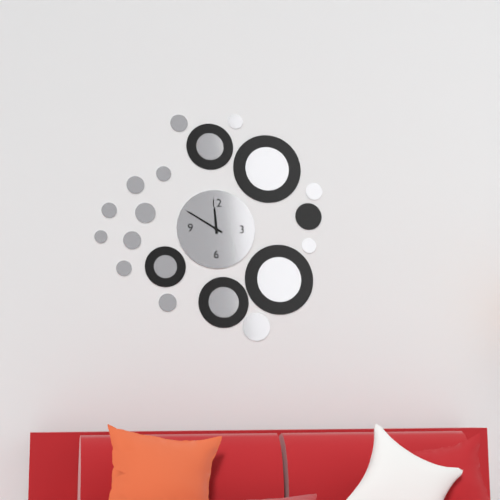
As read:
11.50
